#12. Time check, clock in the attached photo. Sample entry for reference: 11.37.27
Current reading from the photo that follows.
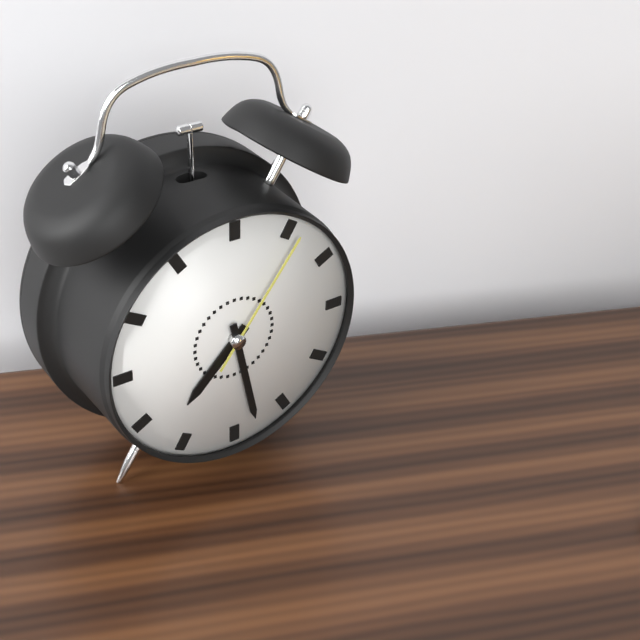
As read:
7.28.06
